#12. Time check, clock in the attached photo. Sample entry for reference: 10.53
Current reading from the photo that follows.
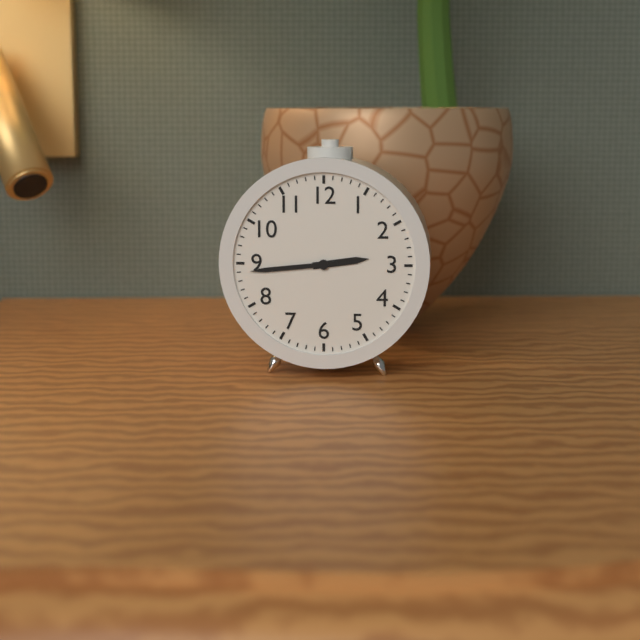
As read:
2.44
